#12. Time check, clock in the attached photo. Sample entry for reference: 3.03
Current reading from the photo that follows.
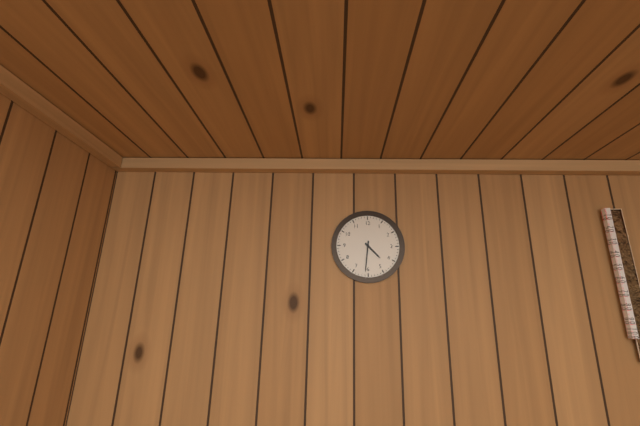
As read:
4.31
